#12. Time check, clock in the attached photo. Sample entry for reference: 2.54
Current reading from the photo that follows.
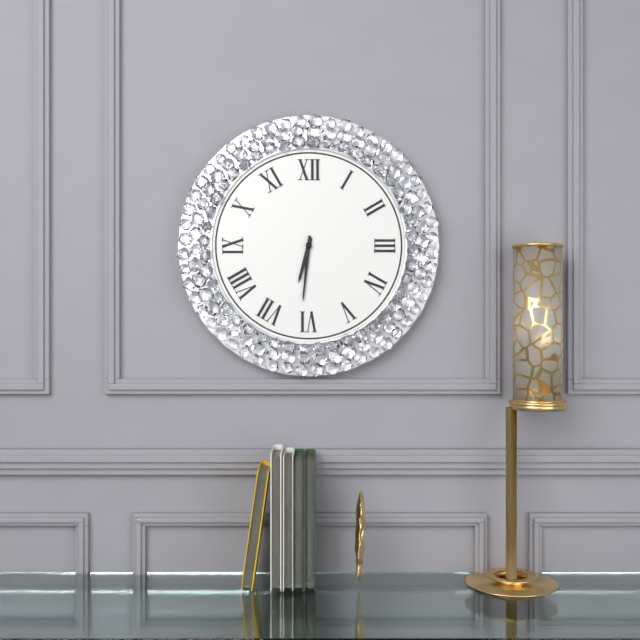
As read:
6.31
